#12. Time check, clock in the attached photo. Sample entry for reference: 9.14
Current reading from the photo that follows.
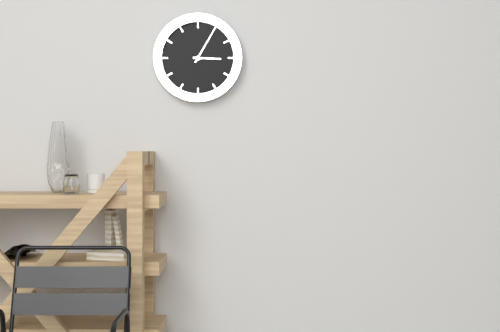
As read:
3.05
